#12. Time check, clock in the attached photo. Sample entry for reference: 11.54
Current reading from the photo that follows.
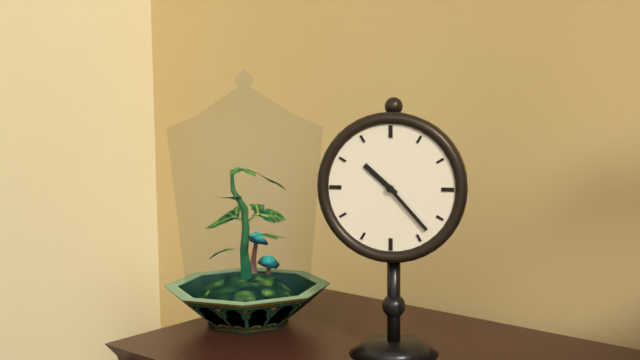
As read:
10.23
